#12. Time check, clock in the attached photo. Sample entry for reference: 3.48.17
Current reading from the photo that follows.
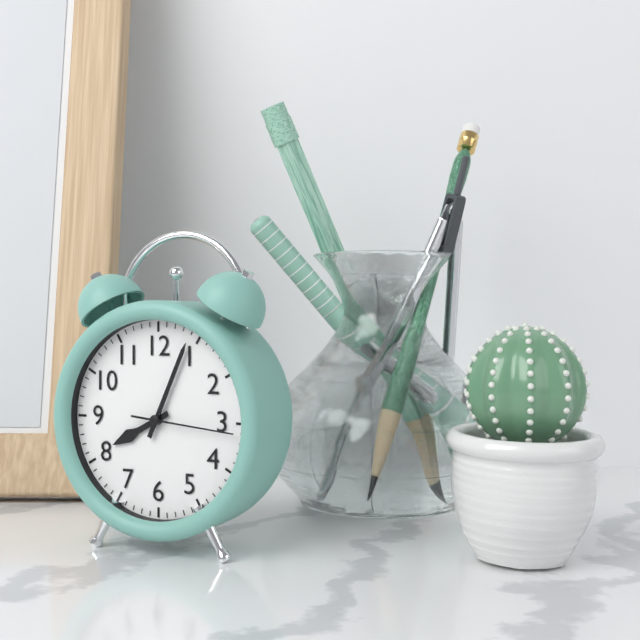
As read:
8.04.16
